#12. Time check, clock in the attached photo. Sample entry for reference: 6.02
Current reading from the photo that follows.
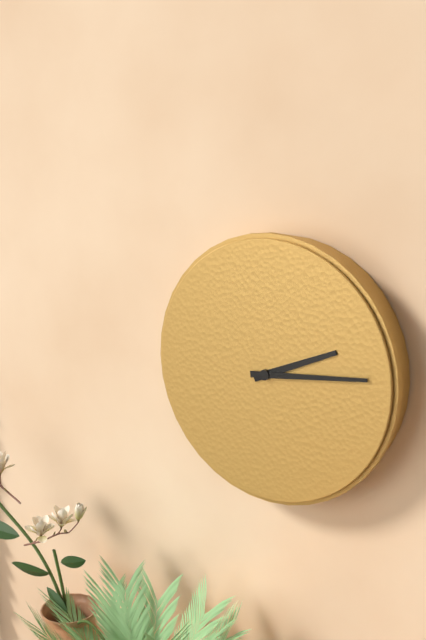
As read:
2.14
